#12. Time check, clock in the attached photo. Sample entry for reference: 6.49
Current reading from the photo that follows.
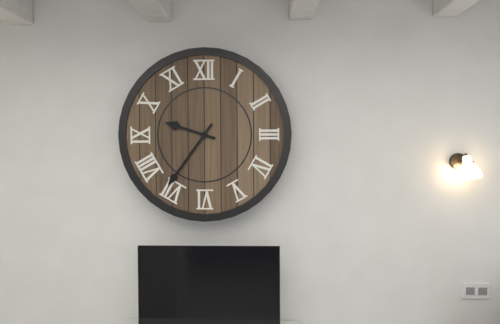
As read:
9.36
